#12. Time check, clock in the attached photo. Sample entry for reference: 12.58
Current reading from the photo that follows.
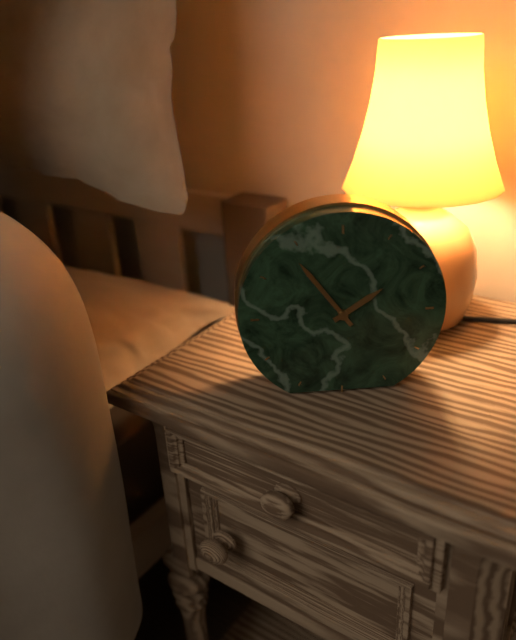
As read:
1.54
